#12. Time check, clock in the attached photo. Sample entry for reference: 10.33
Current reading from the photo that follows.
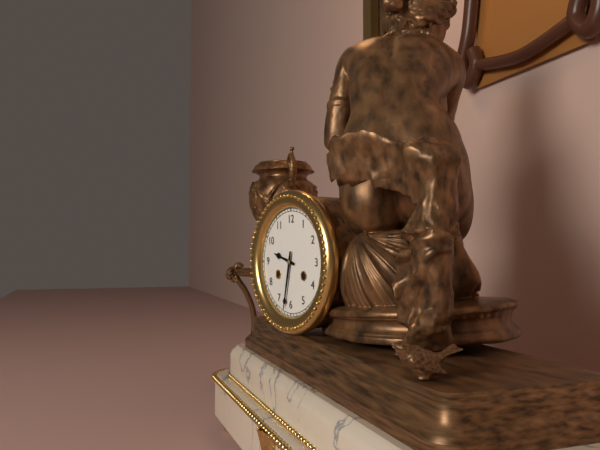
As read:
9.32
